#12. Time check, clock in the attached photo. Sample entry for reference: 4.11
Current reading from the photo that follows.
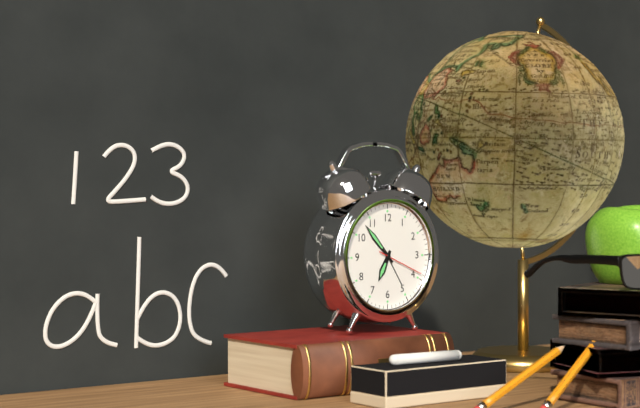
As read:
6.53
